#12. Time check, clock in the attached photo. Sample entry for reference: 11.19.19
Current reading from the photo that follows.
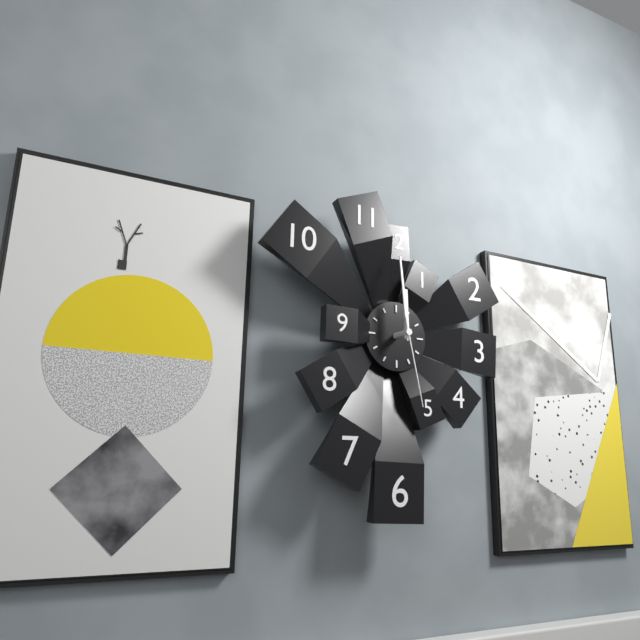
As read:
11.59.28
